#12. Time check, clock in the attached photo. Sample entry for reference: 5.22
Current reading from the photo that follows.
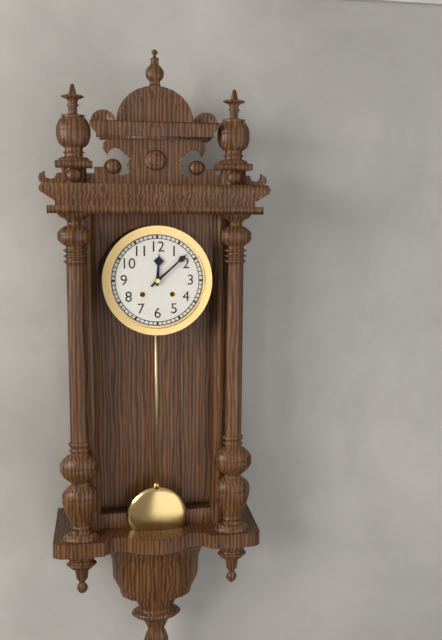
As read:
12.08
